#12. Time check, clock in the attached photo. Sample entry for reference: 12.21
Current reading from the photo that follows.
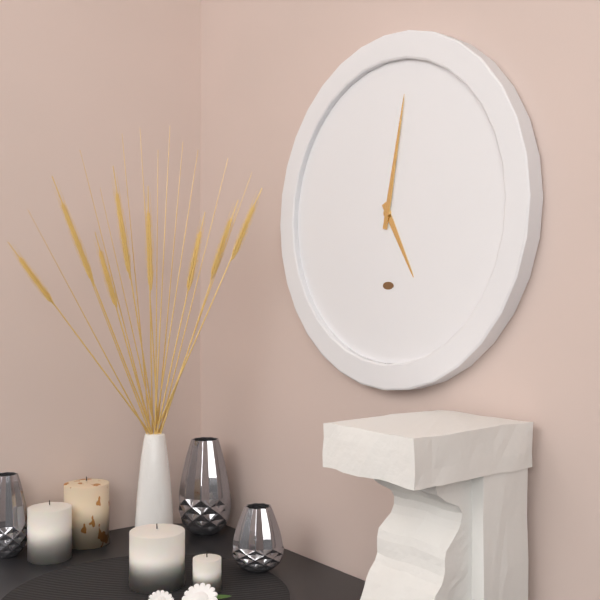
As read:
5.02
